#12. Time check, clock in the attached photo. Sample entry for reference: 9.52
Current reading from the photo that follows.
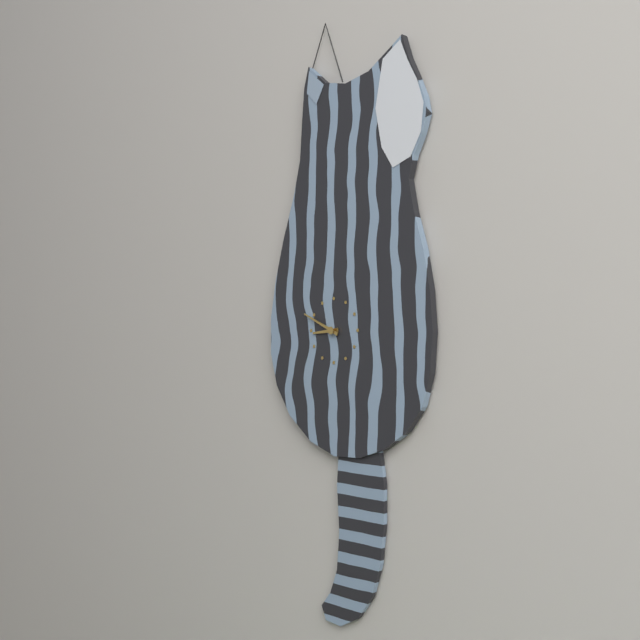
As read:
8.49
